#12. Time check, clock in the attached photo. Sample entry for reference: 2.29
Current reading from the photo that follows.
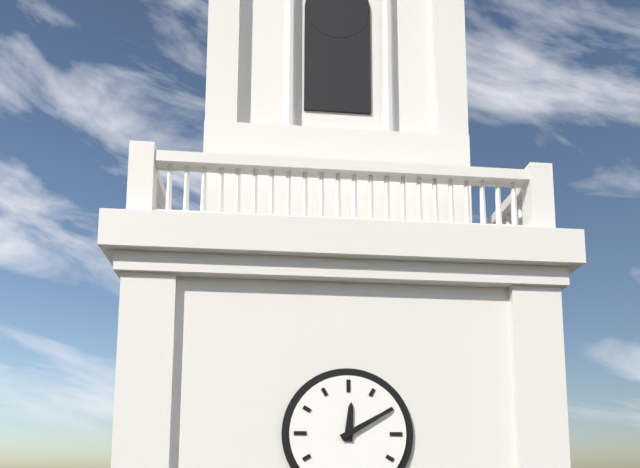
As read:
12.10
